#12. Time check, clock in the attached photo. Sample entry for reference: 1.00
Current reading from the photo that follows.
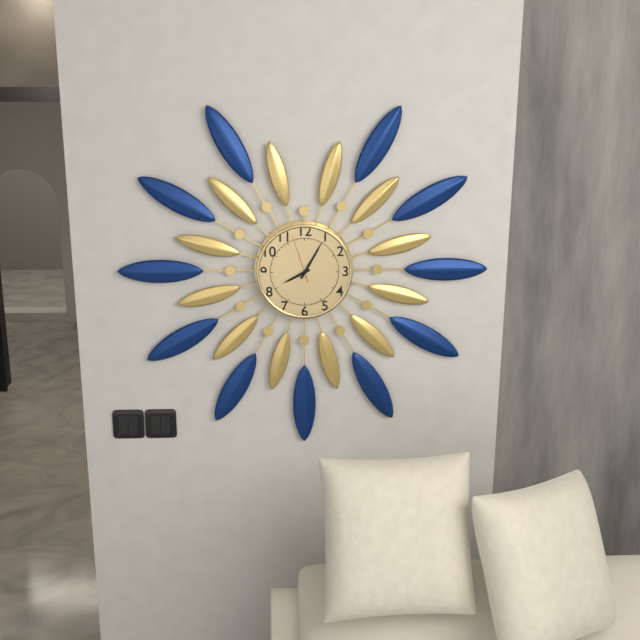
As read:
8.05
